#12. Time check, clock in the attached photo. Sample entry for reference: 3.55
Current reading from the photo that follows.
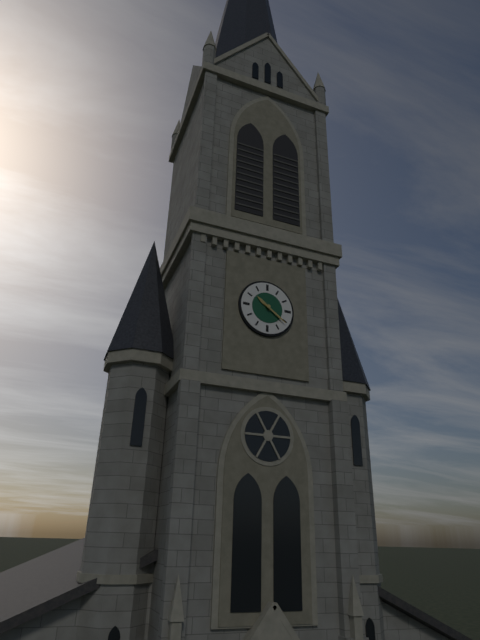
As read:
10.21
